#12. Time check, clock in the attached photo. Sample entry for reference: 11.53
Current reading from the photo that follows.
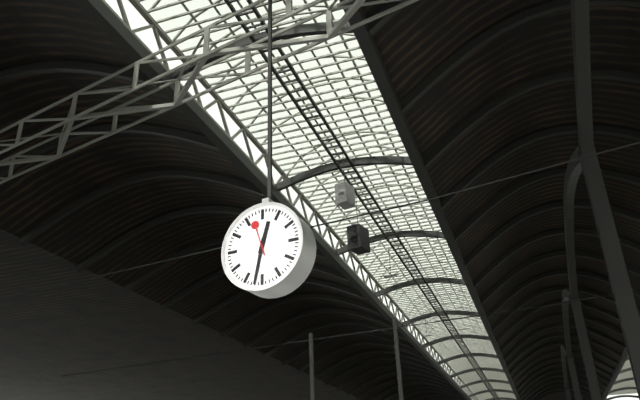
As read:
12.32
